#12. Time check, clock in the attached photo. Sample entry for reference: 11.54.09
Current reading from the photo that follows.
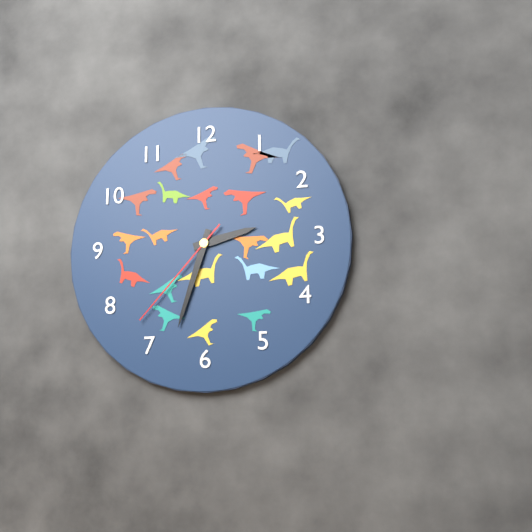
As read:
2.33.37
